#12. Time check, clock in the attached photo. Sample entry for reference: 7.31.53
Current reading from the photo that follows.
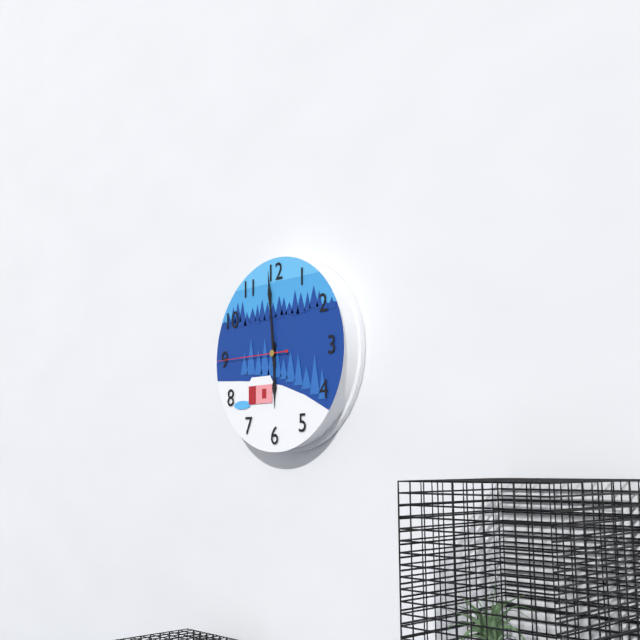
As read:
5.59.45
